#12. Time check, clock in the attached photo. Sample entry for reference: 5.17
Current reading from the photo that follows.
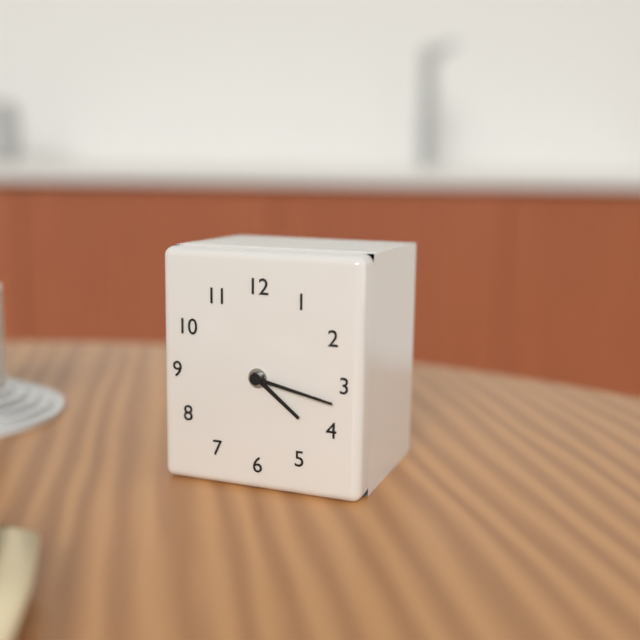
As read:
4.17
